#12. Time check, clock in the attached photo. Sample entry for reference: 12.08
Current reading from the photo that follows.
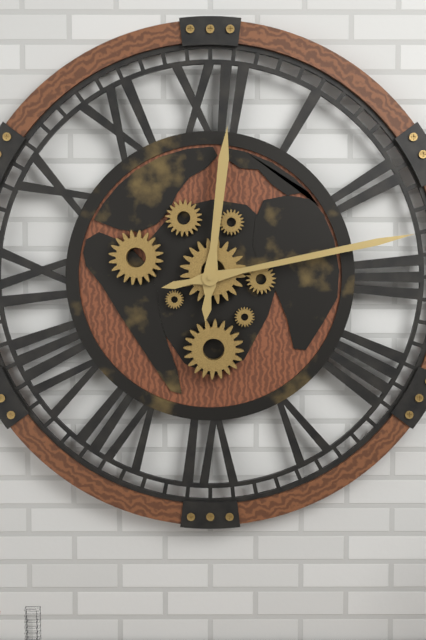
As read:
12.13
